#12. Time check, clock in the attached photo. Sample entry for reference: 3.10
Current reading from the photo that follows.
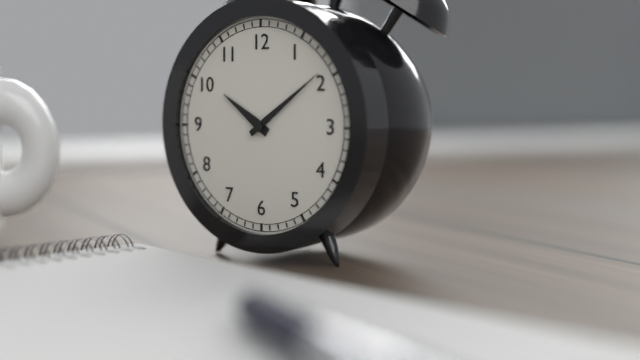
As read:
10.09
